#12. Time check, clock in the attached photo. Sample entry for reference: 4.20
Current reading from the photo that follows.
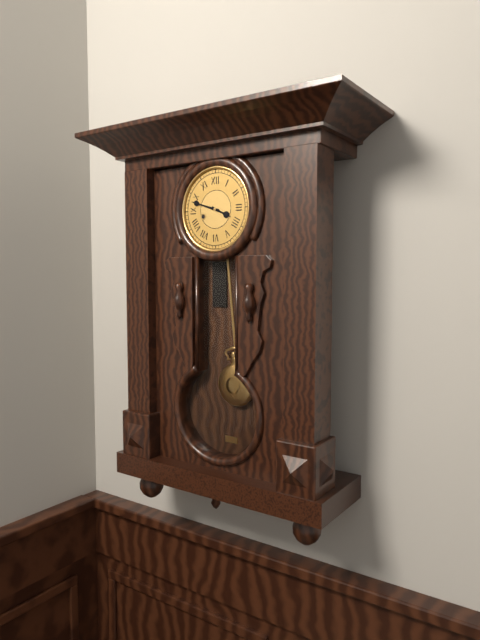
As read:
3.48
